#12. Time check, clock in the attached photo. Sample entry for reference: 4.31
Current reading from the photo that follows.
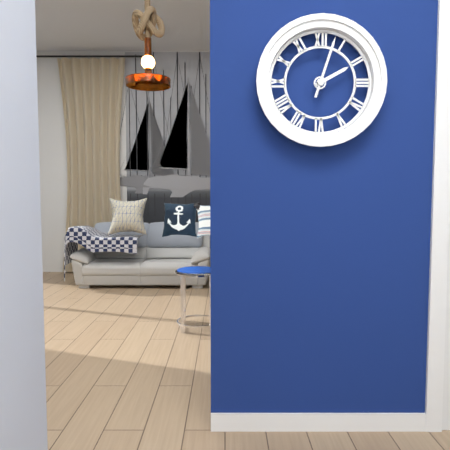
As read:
2.03
